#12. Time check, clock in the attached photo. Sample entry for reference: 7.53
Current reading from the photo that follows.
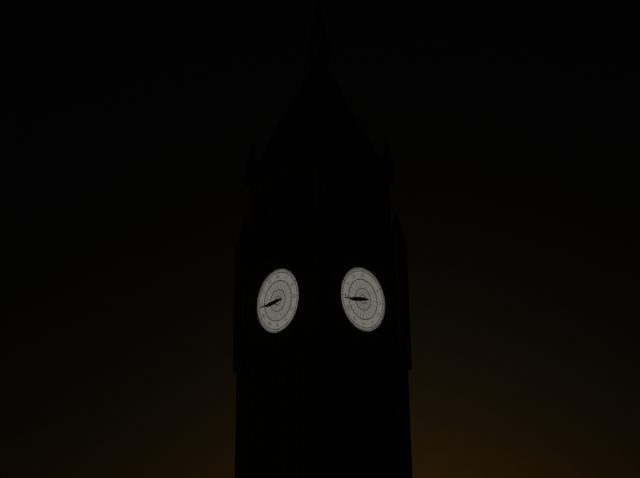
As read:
8.44
